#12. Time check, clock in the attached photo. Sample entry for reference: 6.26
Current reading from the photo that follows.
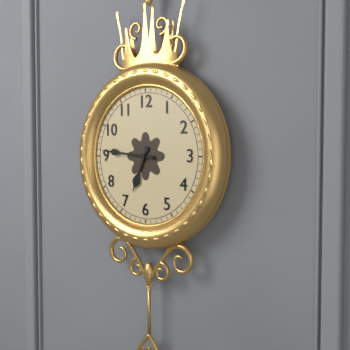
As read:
6.46
